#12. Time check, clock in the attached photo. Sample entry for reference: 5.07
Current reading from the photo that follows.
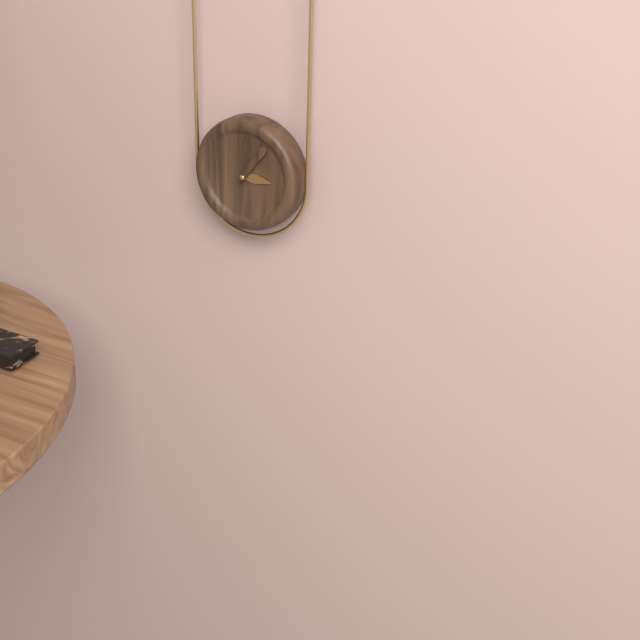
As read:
3.06
